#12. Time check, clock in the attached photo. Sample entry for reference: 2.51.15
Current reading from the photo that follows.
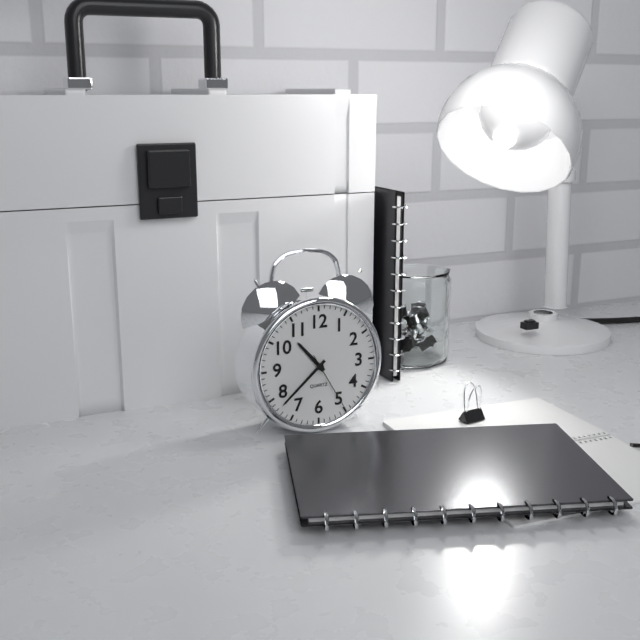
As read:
10.38.25
